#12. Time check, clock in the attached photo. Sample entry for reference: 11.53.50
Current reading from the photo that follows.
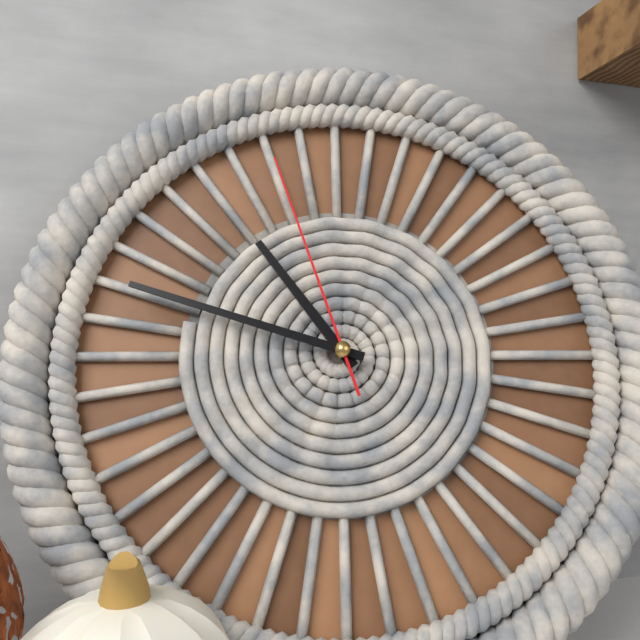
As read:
10.48.57
